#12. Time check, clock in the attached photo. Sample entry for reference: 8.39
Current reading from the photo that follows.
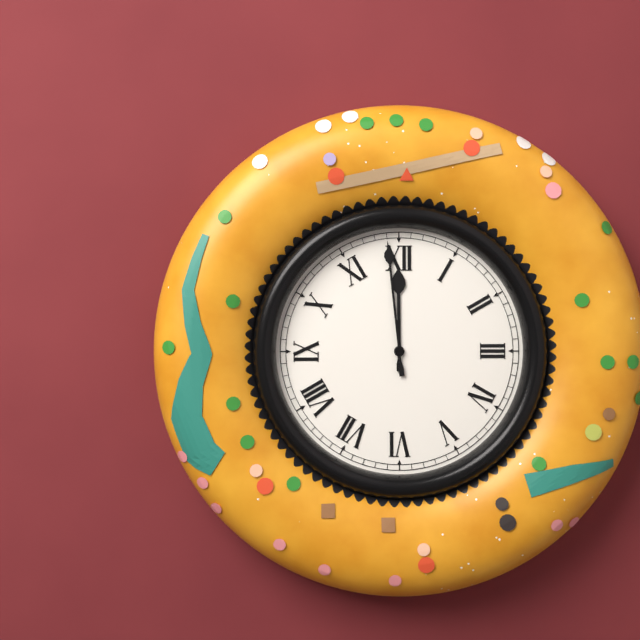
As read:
11.59
